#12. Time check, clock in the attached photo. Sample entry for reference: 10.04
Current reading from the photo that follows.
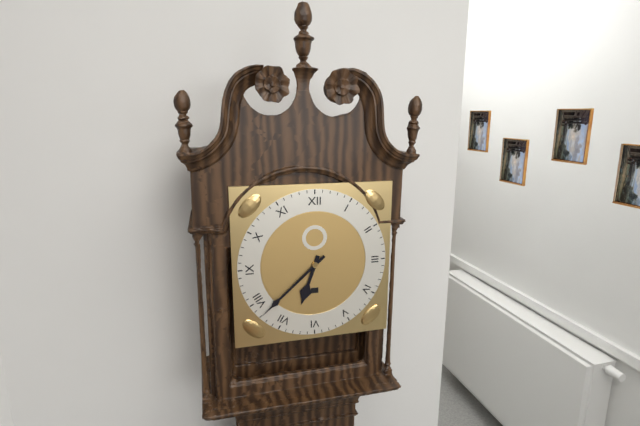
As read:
6.38
